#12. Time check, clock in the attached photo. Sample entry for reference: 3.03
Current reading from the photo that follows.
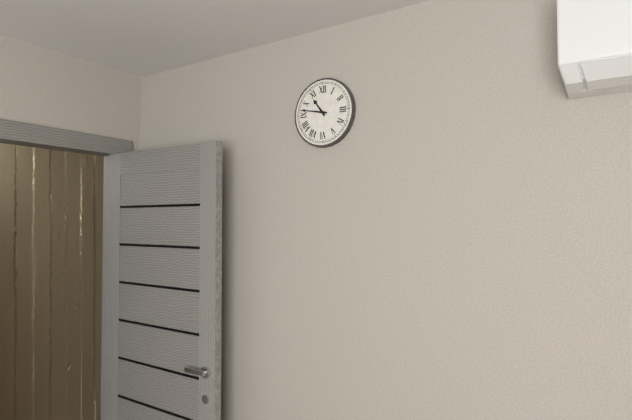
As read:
10.47
